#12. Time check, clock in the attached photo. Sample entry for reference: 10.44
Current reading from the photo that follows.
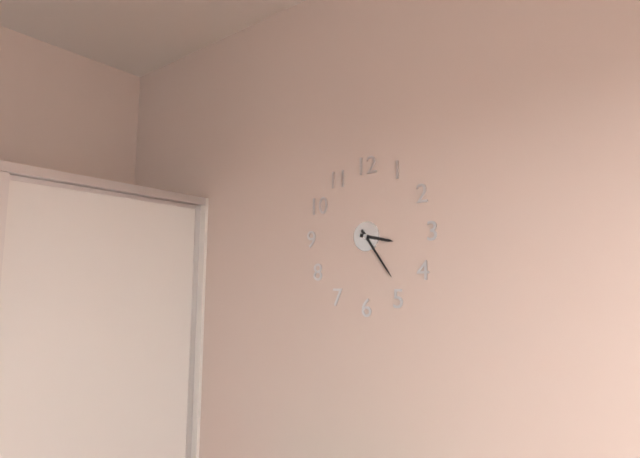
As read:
3.24
